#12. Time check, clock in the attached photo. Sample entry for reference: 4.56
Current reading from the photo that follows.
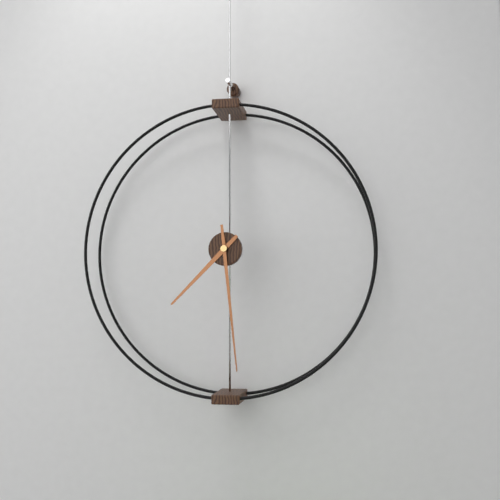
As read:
7.29
